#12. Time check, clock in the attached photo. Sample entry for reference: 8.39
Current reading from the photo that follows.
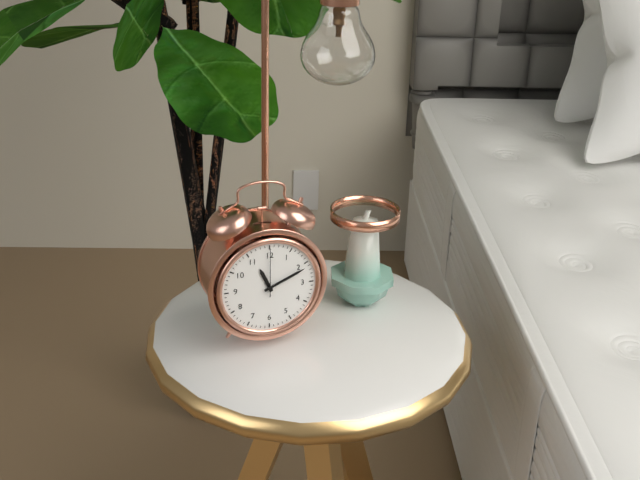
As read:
11.11
